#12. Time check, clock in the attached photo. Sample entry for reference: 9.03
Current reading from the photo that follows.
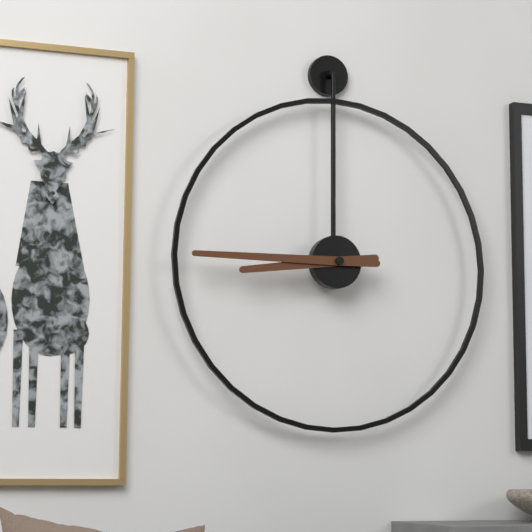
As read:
8.45
